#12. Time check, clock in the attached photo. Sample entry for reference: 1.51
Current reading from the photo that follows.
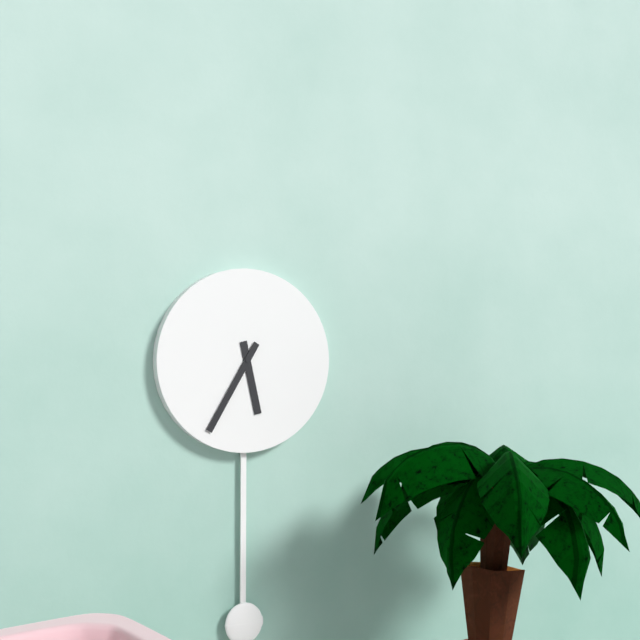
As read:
5.35
